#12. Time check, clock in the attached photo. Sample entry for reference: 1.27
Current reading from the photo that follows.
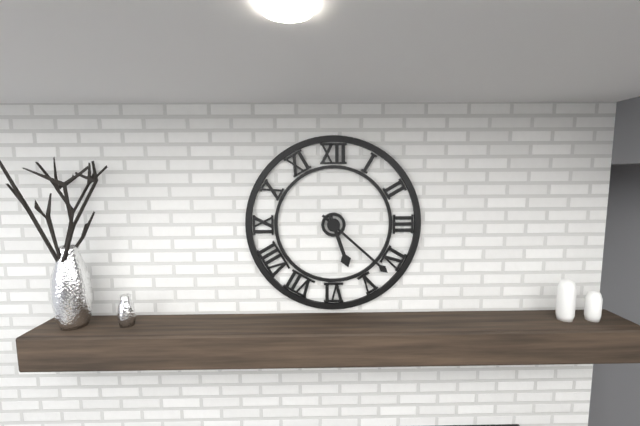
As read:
5.22
